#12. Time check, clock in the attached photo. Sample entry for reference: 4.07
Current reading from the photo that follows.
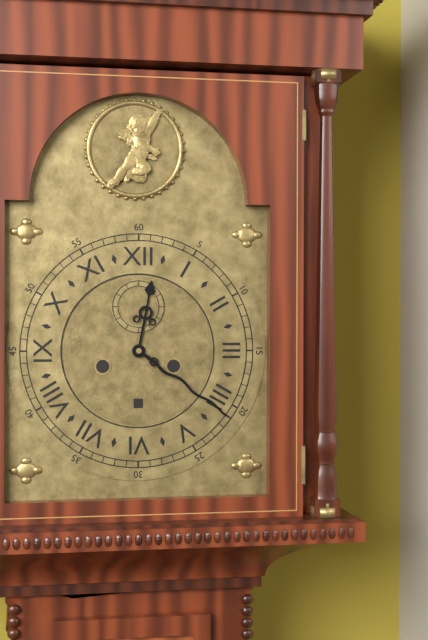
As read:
12.21
